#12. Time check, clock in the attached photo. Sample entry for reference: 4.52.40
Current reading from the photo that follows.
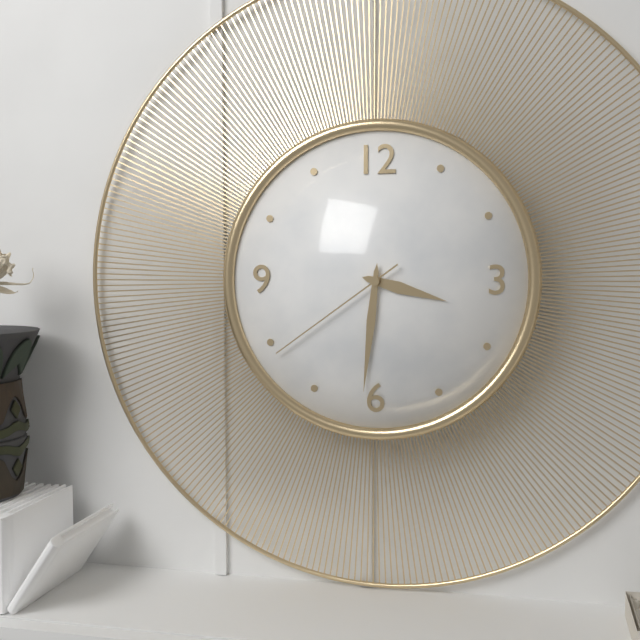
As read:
3.31.39
